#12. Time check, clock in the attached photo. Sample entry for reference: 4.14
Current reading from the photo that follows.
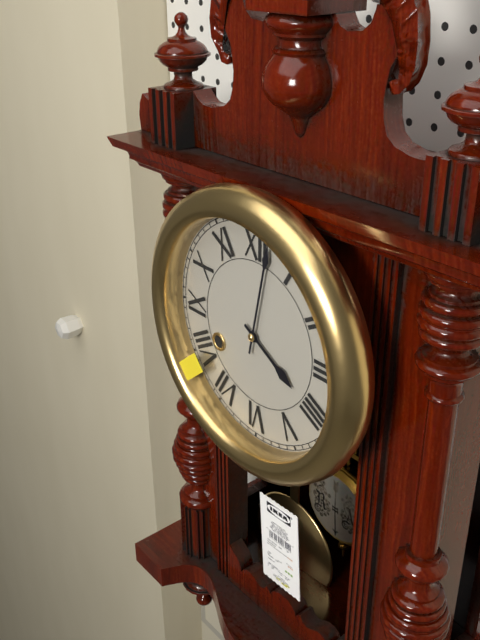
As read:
4.02
